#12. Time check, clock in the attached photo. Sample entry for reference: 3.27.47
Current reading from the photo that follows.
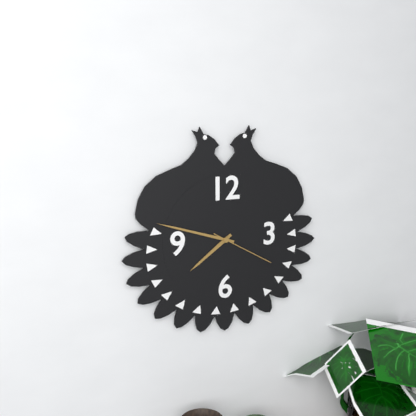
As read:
7.48.20
